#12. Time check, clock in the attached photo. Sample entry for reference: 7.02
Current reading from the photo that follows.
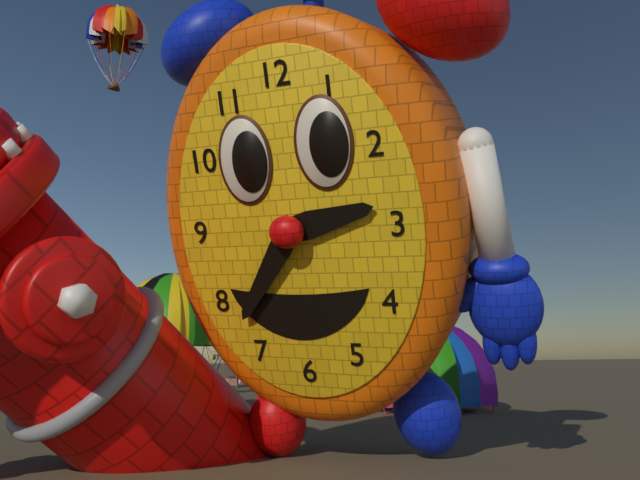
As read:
2.36
